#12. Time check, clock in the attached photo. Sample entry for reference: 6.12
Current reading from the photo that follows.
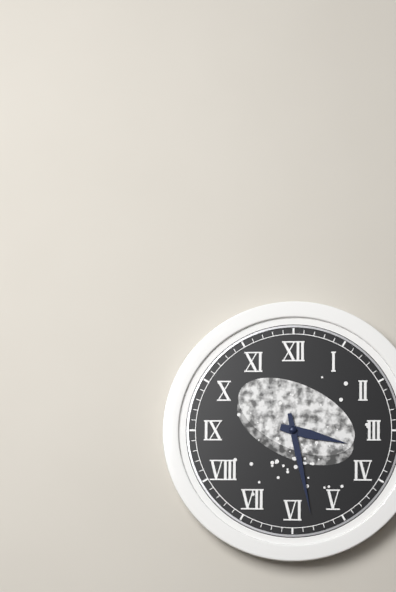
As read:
3.28
